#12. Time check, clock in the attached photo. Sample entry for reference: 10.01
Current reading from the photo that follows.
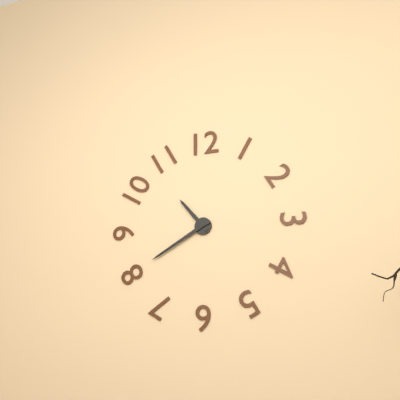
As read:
10.40
